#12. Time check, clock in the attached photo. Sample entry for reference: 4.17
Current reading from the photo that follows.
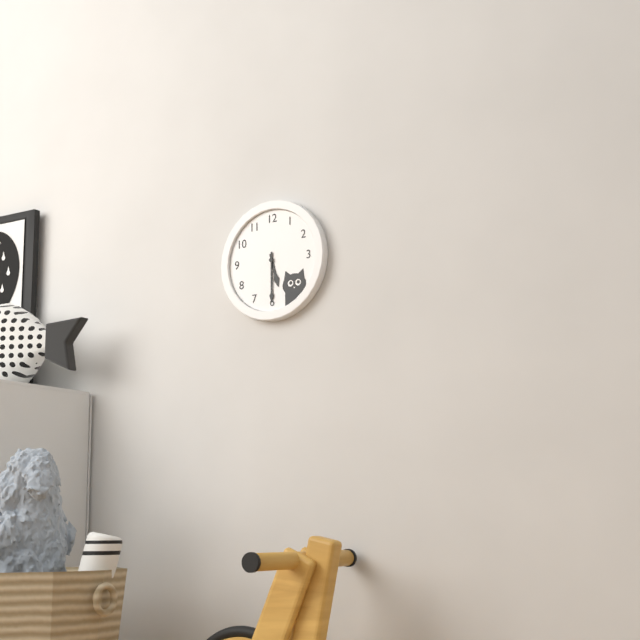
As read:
5.30
